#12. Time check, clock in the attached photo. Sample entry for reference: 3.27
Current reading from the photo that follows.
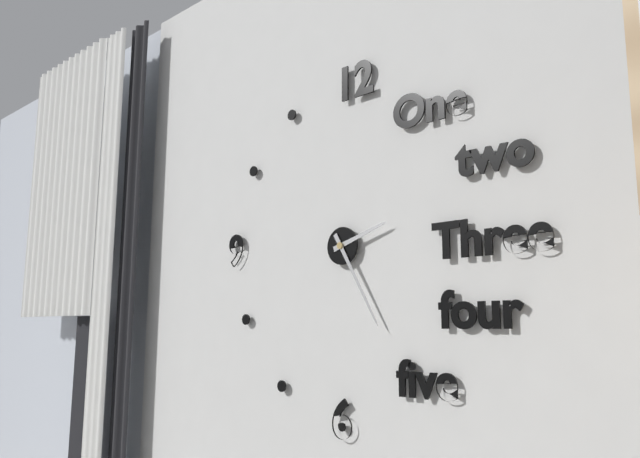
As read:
2.25
